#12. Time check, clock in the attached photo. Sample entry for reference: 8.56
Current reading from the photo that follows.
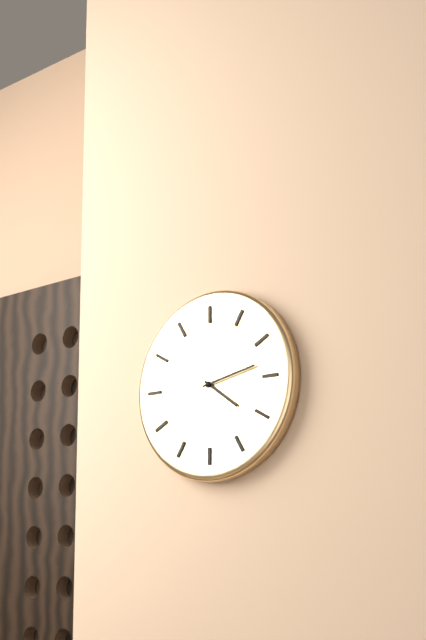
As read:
4.13
